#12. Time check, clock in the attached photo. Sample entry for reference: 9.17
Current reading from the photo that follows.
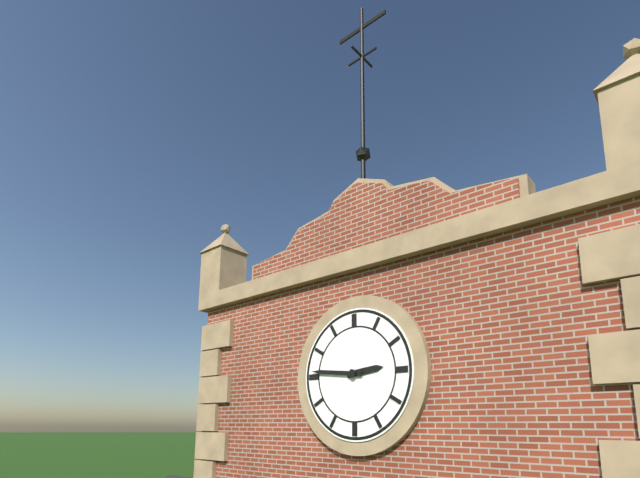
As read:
2.46
